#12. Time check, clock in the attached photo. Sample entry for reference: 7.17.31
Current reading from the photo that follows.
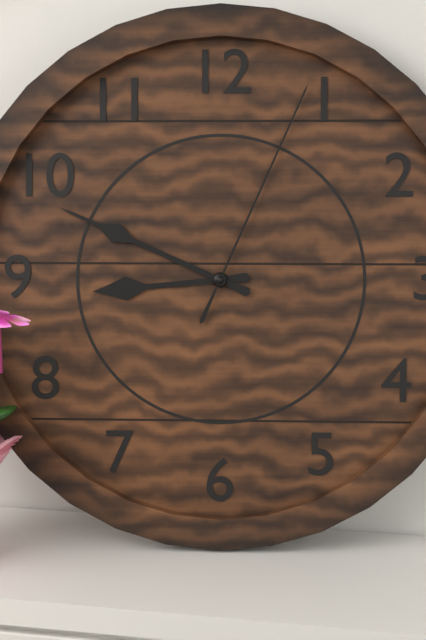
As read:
8.49.04
